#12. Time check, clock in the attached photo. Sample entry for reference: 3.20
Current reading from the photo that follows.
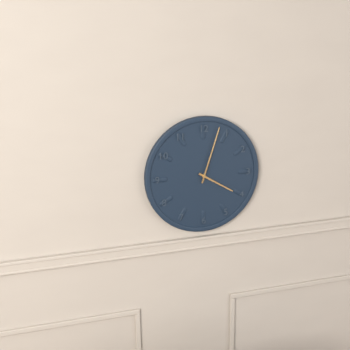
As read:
4.03
